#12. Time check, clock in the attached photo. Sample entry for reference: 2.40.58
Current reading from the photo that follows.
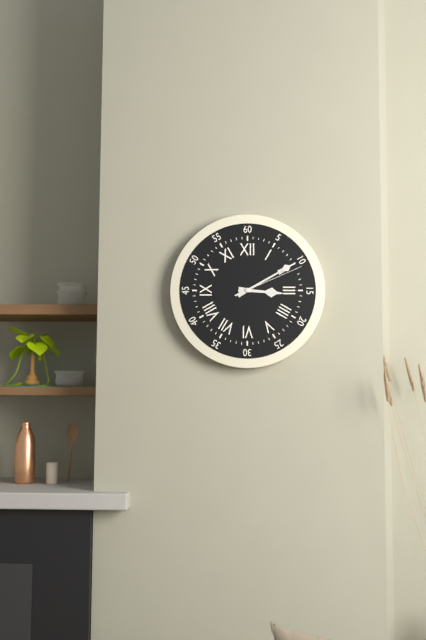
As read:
3.10.11
